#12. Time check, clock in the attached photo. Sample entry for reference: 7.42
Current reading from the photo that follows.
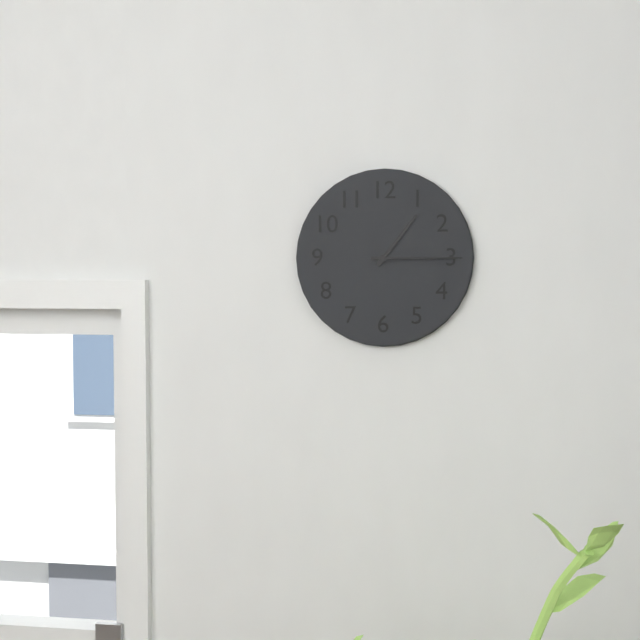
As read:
1.15
